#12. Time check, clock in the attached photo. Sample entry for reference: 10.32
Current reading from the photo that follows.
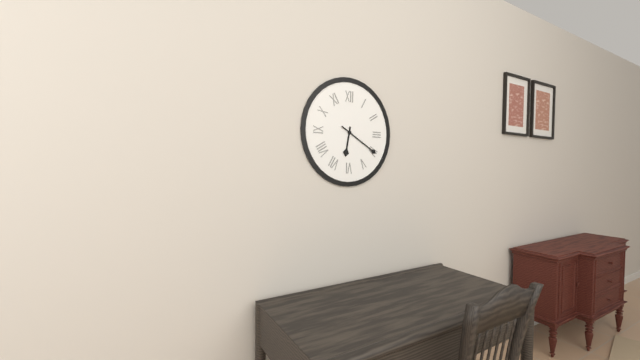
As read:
6.20
